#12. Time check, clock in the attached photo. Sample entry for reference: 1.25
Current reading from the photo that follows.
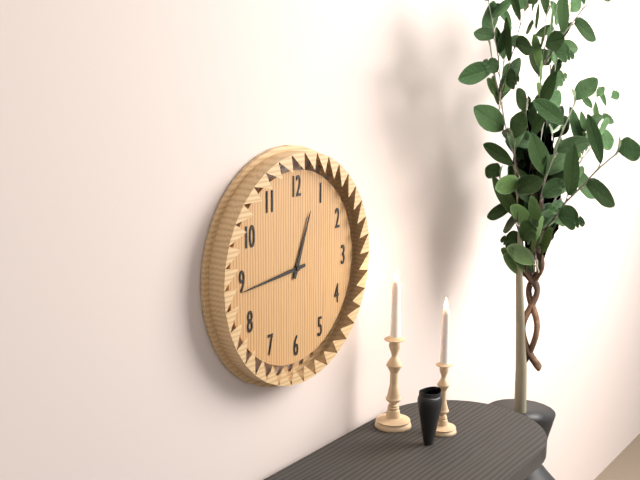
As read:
12.44
